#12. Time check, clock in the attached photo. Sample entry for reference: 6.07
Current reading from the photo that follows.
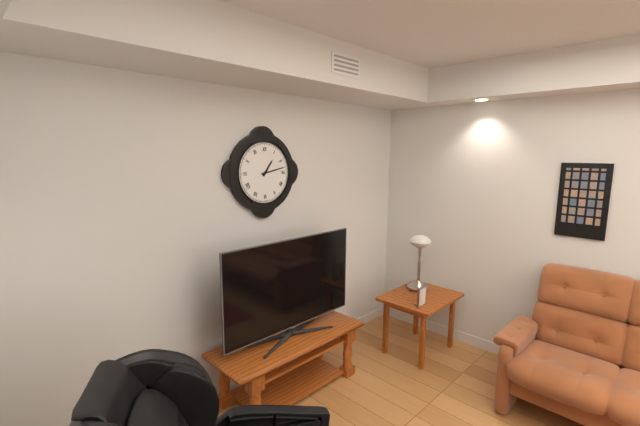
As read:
1.13
